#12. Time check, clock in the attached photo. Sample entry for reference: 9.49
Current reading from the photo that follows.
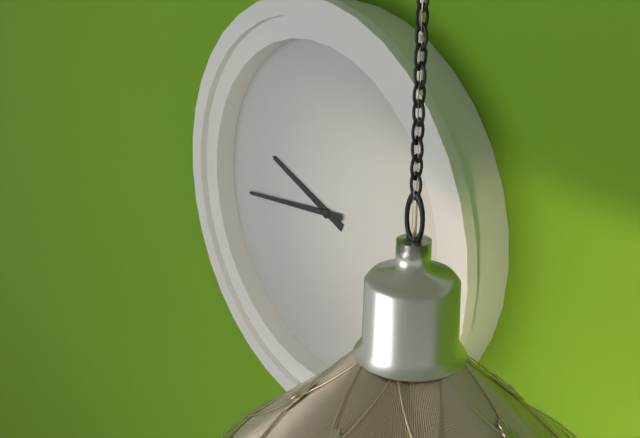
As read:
9.44
